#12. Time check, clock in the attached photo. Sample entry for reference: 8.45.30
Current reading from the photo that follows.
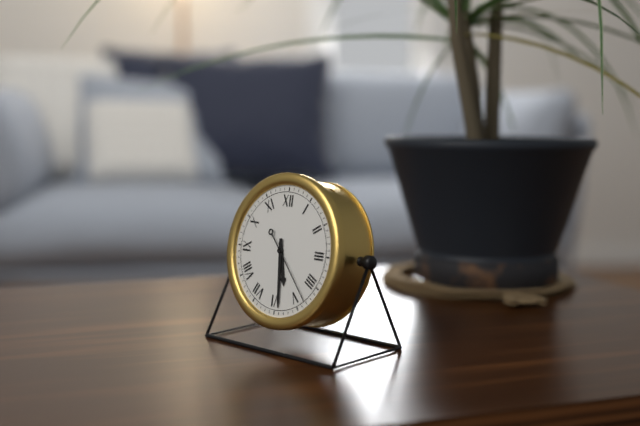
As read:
5.29.23
